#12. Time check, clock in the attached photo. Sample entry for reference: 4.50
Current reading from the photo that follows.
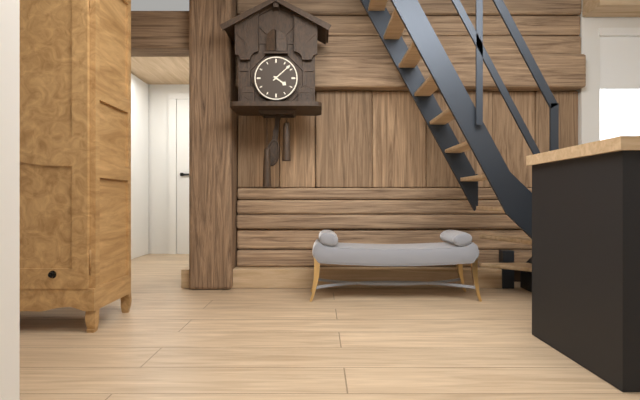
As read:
4.08
